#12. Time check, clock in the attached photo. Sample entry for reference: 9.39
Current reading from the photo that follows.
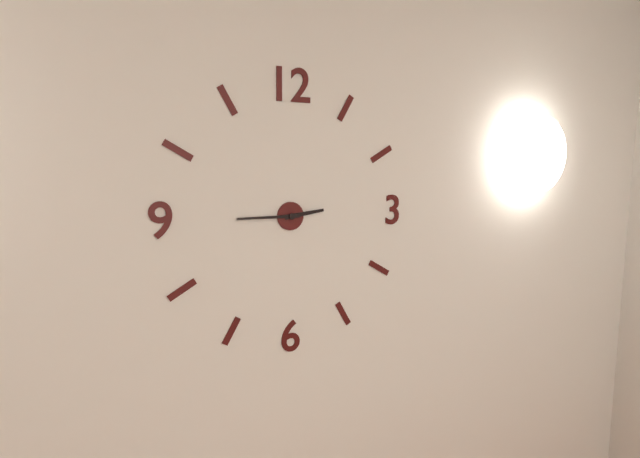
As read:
2.45
